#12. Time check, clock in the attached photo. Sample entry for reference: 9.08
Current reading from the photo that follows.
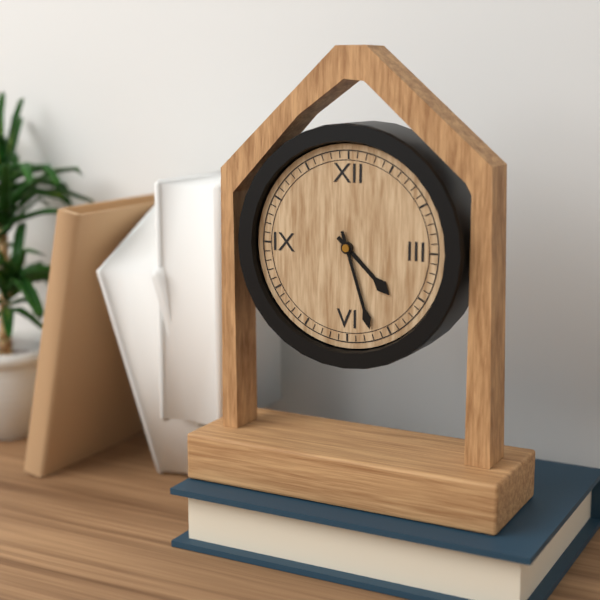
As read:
4.27
